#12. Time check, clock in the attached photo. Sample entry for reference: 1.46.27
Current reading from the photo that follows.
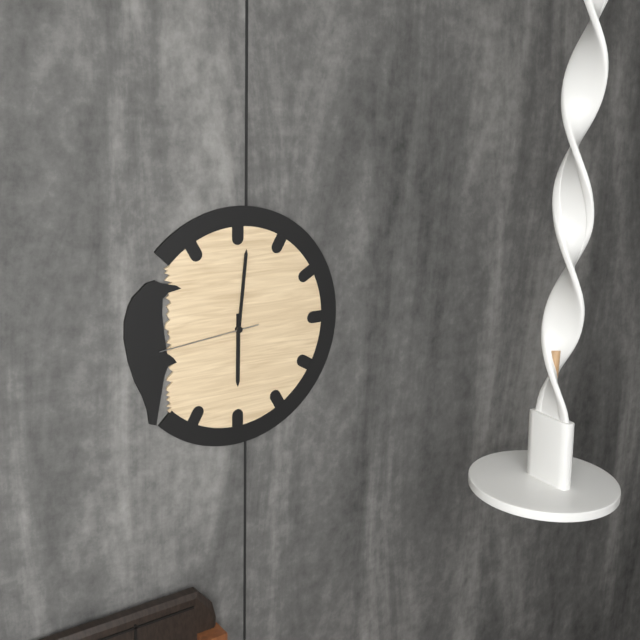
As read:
6.01.44
